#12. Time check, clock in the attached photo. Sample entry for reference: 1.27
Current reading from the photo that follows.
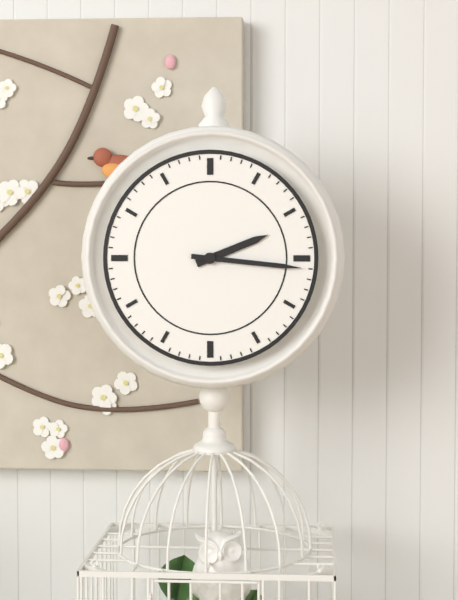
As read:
2.16
